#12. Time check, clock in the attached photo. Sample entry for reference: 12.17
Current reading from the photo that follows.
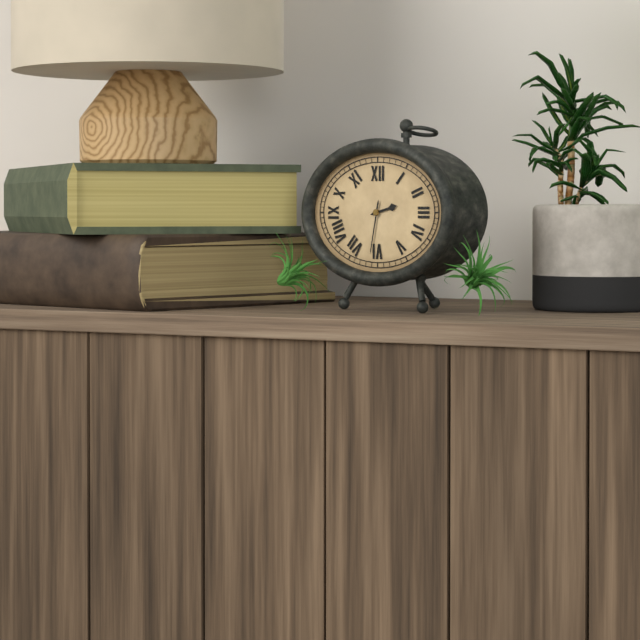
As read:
2.32
